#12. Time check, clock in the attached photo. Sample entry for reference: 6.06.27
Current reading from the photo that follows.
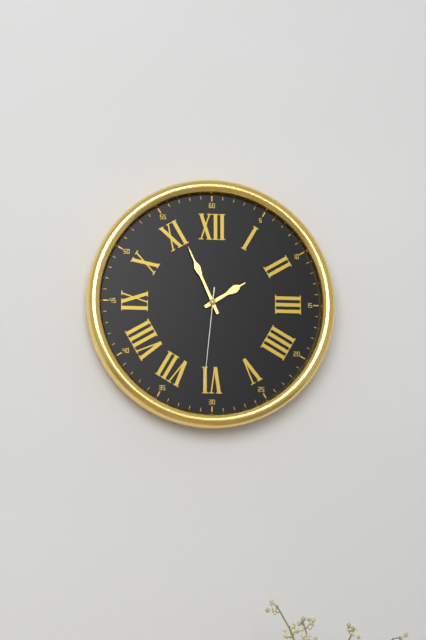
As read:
1.56.31
